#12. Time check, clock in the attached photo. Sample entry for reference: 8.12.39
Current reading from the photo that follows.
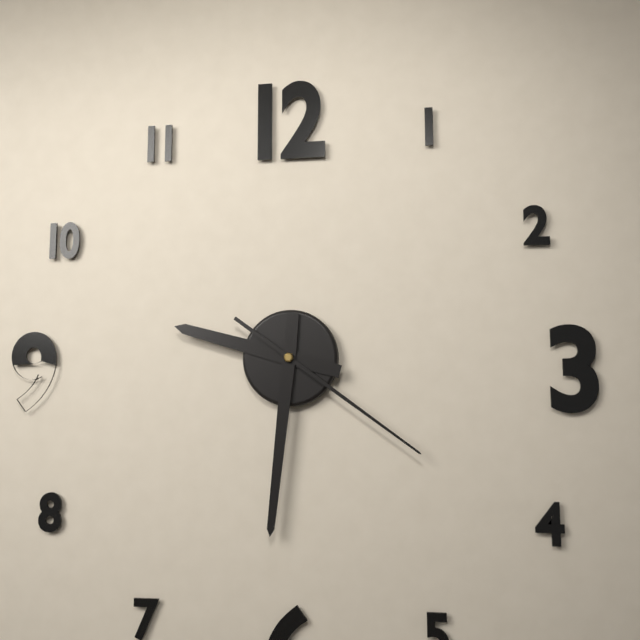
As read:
9.31.21
